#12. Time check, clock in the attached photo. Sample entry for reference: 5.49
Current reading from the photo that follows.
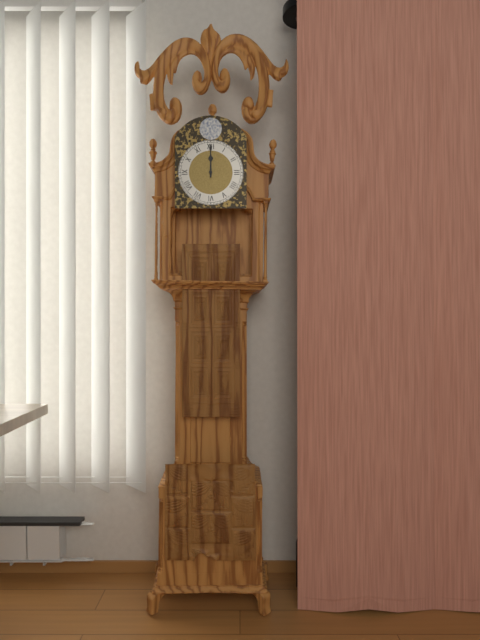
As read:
12.00
